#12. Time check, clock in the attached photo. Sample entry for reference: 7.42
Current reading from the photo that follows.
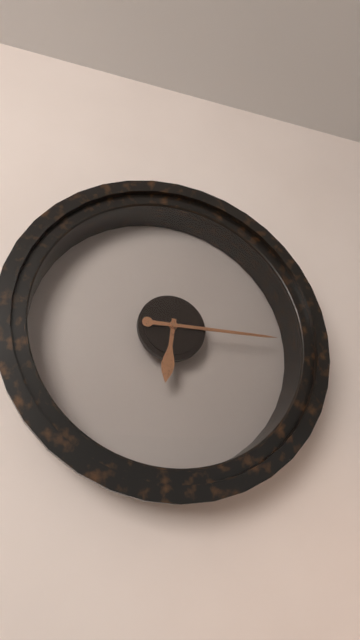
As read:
6.15
